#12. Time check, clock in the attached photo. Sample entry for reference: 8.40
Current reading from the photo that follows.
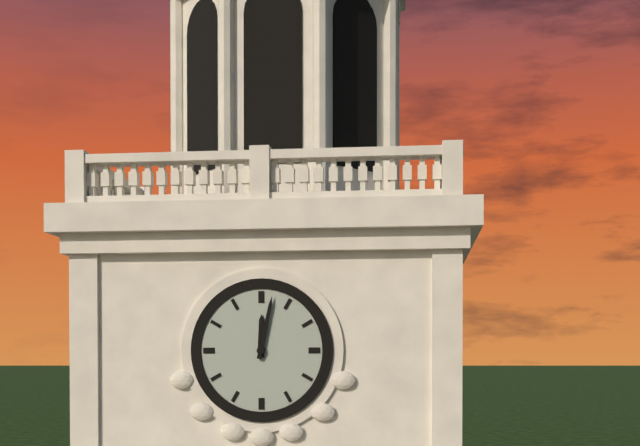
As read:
12.02
